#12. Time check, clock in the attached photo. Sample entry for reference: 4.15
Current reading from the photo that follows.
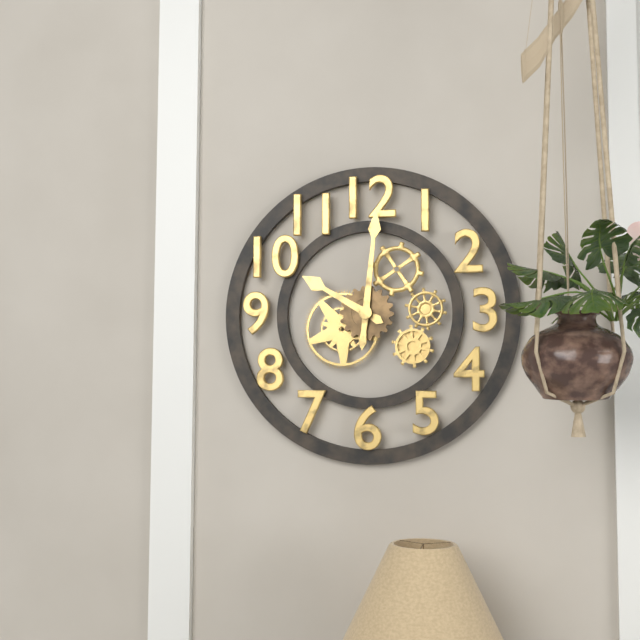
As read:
10.01
